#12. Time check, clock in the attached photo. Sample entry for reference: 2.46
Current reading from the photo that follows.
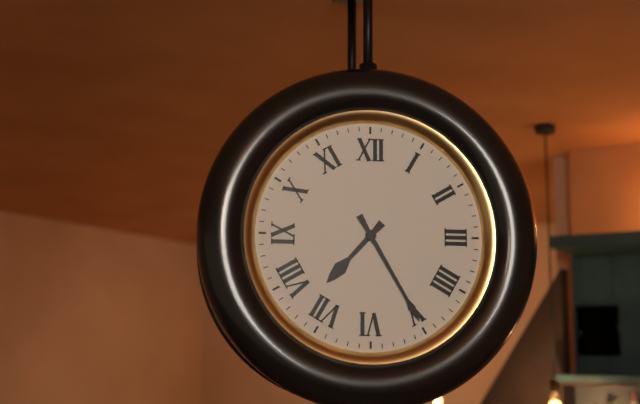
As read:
7.25
